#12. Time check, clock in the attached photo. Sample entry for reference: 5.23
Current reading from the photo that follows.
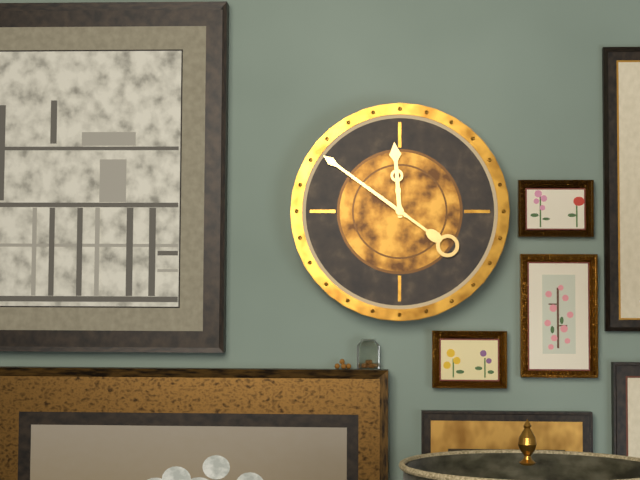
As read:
11.51
